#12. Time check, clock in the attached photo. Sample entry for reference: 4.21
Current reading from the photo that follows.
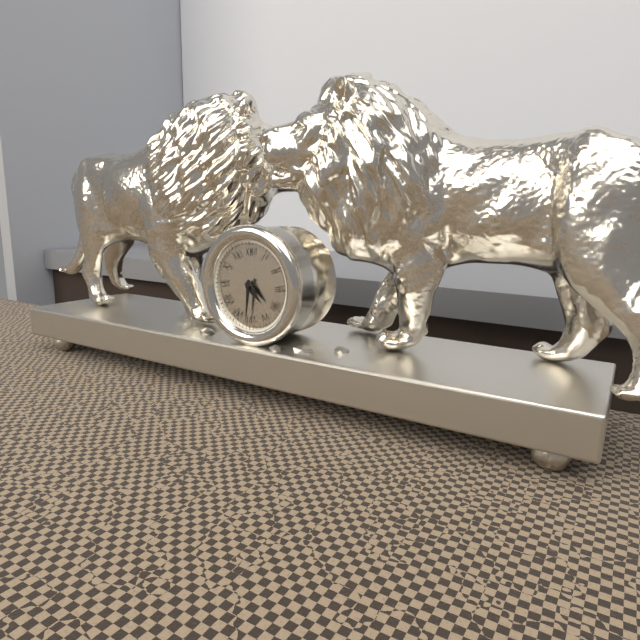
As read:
4.31
